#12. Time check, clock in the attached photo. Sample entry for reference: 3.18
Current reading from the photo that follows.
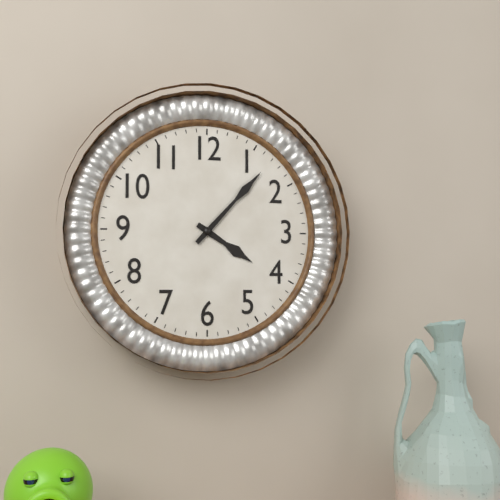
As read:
4.07
